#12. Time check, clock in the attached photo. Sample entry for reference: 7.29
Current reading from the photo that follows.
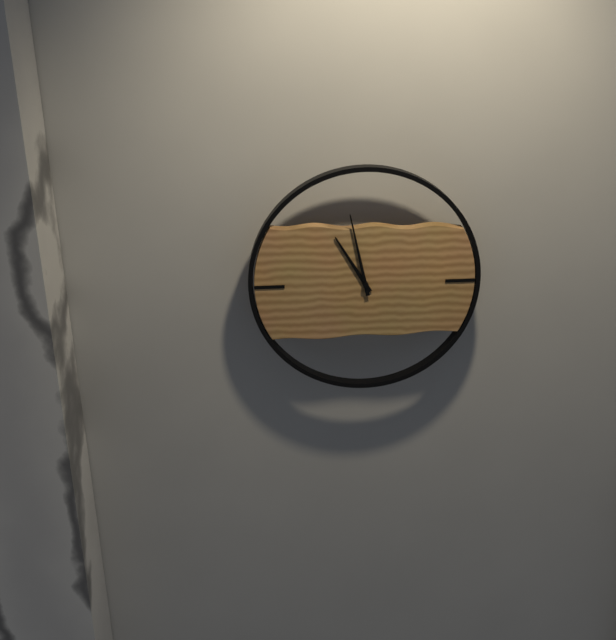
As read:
10.58
